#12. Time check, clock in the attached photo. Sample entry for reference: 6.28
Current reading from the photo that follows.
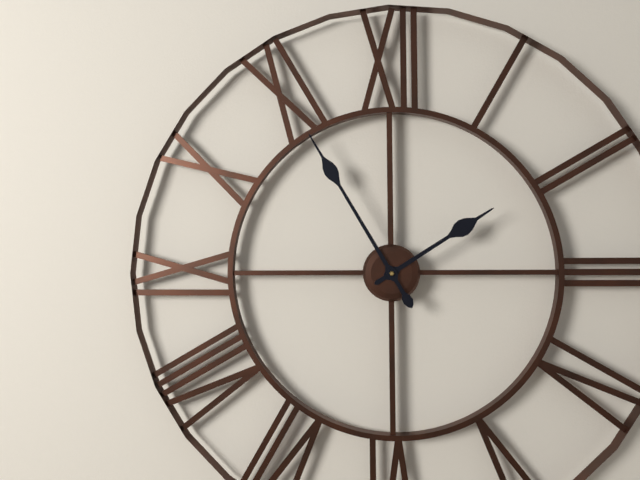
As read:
1.55
